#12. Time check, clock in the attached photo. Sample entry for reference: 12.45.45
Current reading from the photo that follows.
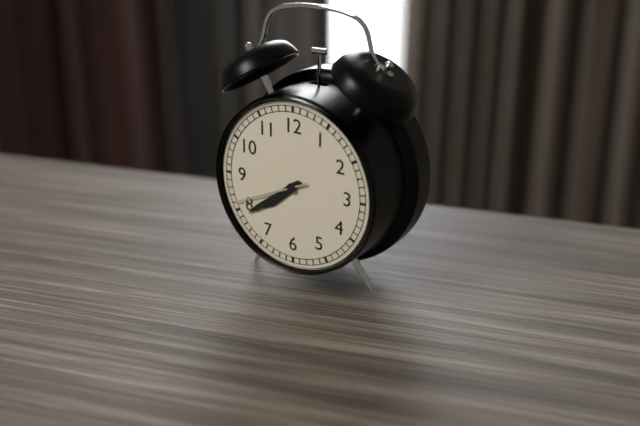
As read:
7.39.41
